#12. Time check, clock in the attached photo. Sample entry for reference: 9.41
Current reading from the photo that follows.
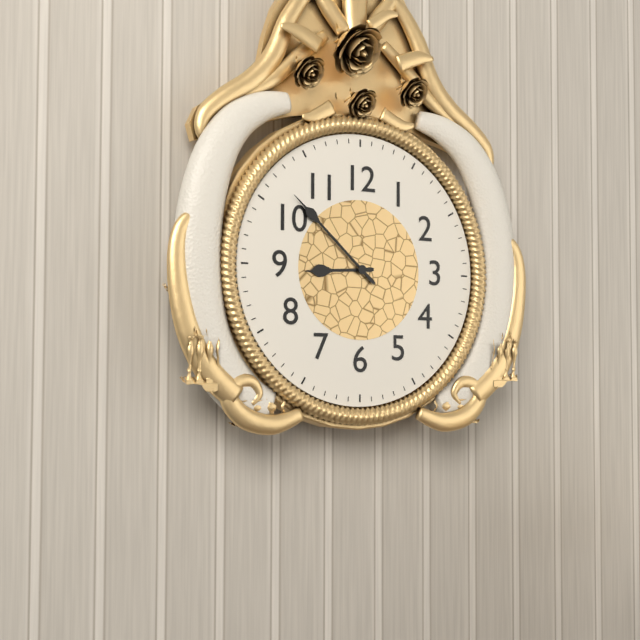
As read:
8.52
